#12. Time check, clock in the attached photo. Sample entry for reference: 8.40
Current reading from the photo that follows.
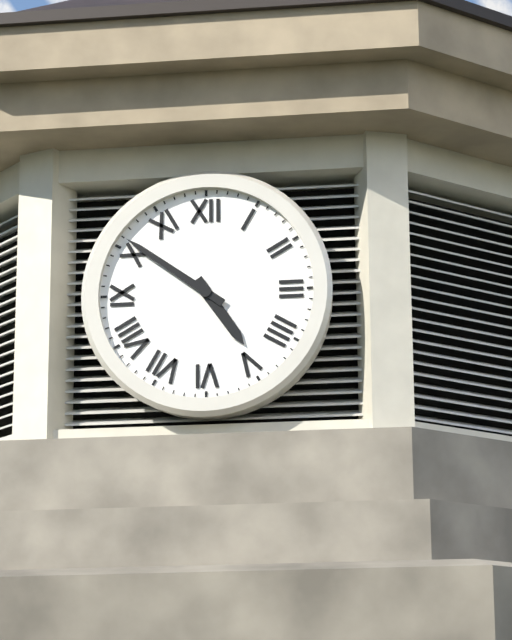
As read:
4.51
